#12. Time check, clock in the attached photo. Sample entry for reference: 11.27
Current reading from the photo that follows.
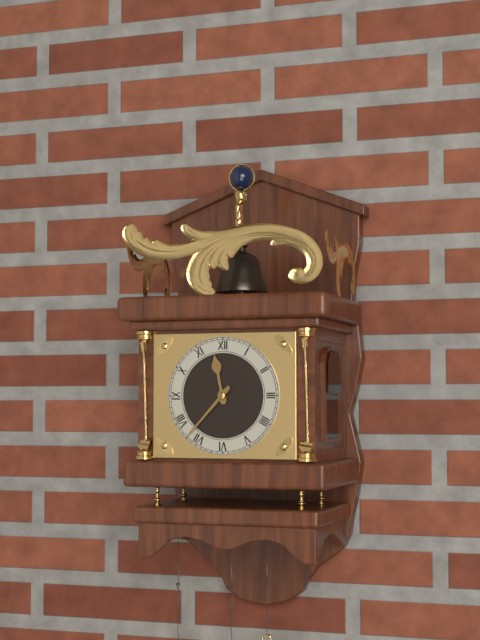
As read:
11.37
